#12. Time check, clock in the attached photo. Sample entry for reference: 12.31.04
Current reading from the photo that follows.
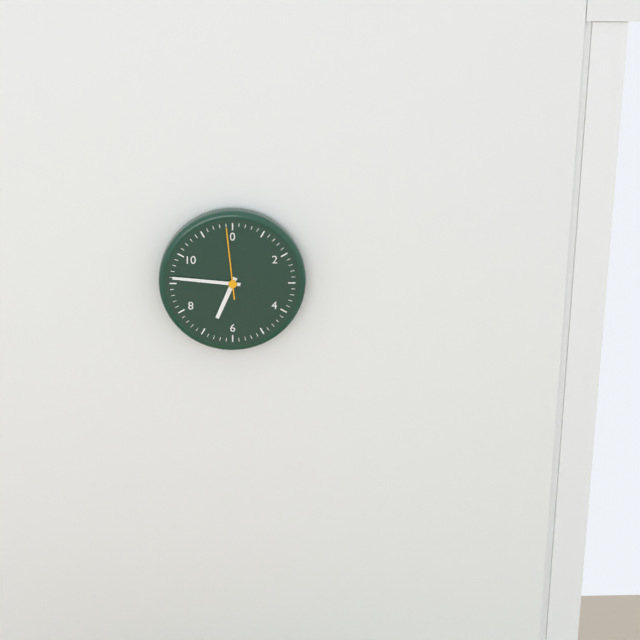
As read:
6.46.59
